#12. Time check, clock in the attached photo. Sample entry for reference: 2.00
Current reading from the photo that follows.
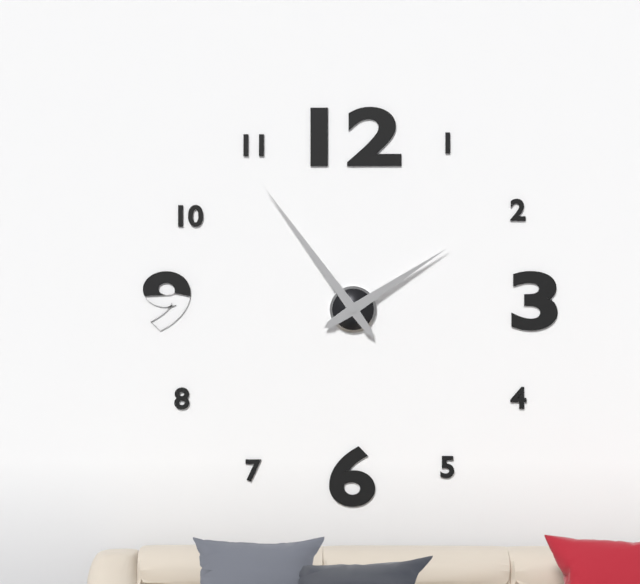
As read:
1.54
